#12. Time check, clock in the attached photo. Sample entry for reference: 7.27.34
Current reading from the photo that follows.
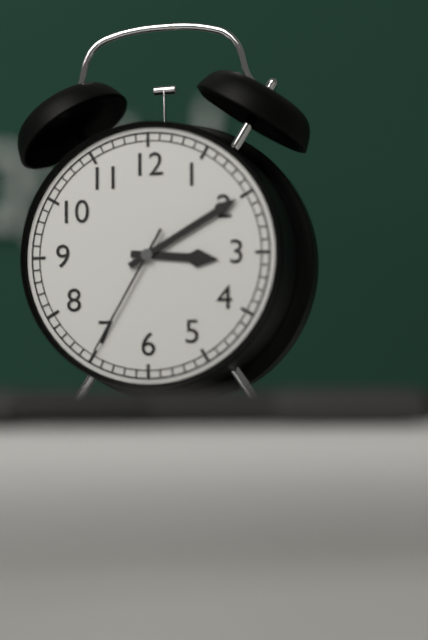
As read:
3.10.35
